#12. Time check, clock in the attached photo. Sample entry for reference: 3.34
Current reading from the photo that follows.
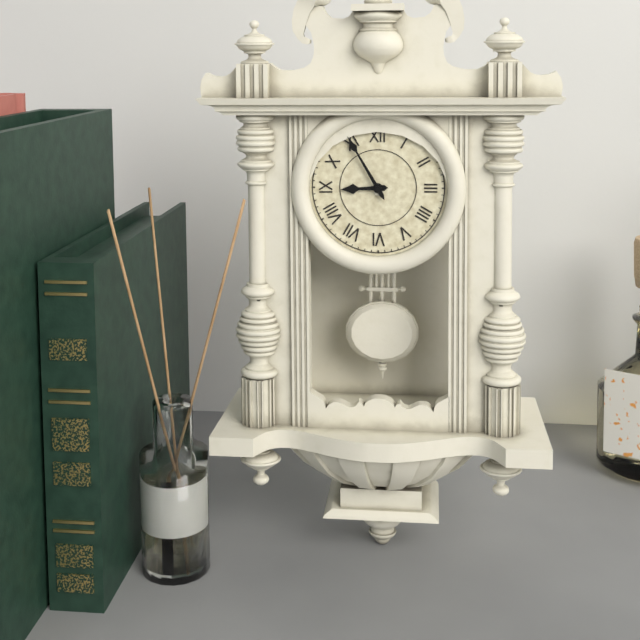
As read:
8.55
